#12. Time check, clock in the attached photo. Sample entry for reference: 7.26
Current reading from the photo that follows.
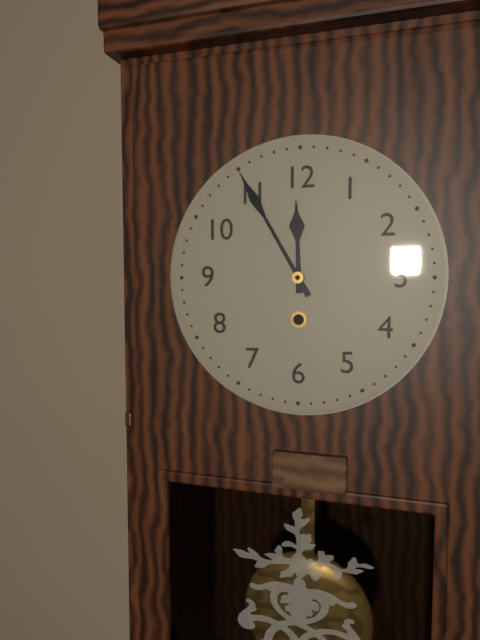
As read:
11.55
